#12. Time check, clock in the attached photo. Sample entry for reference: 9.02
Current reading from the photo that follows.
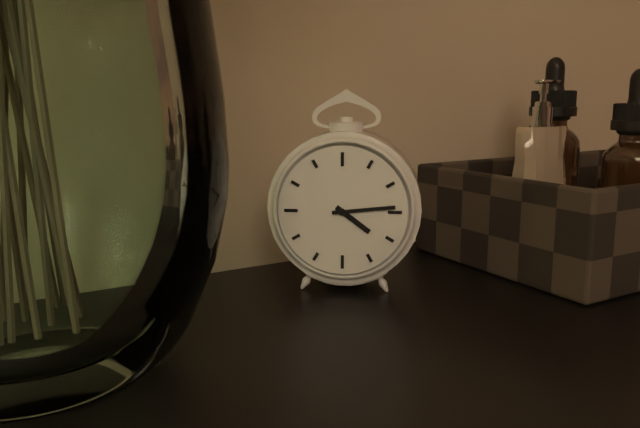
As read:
4.14
